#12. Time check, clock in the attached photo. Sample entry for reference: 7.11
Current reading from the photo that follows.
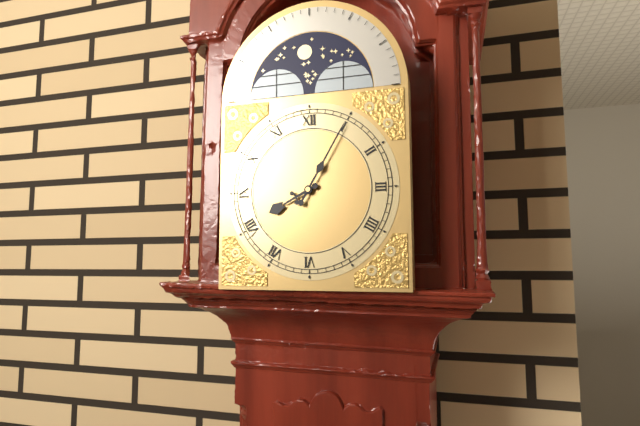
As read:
8.05
